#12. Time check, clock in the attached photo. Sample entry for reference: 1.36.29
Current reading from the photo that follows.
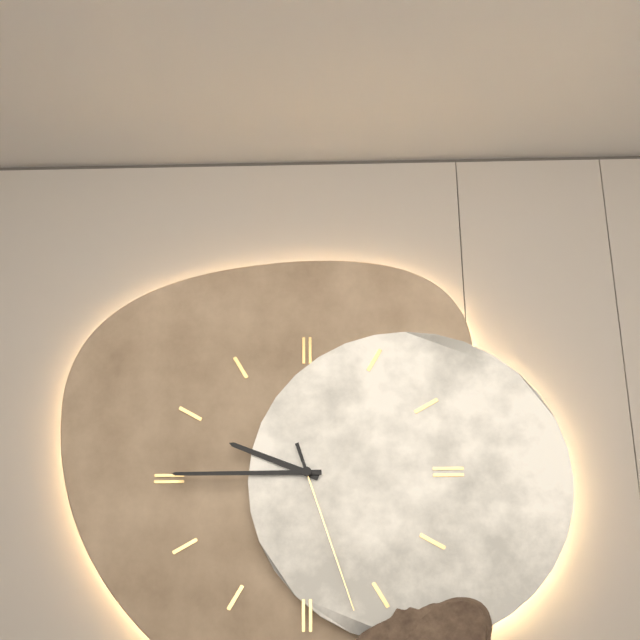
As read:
9.45.27
